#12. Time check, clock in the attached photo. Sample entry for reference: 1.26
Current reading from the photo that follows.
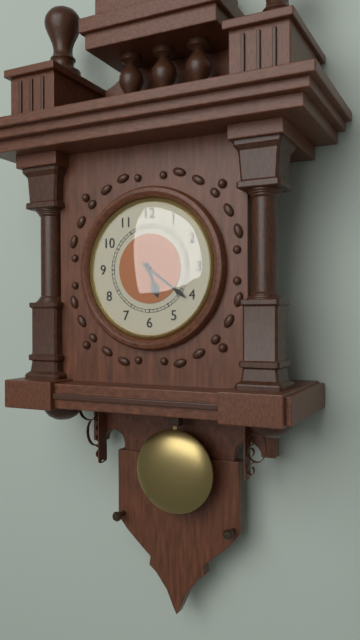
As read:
5.21
